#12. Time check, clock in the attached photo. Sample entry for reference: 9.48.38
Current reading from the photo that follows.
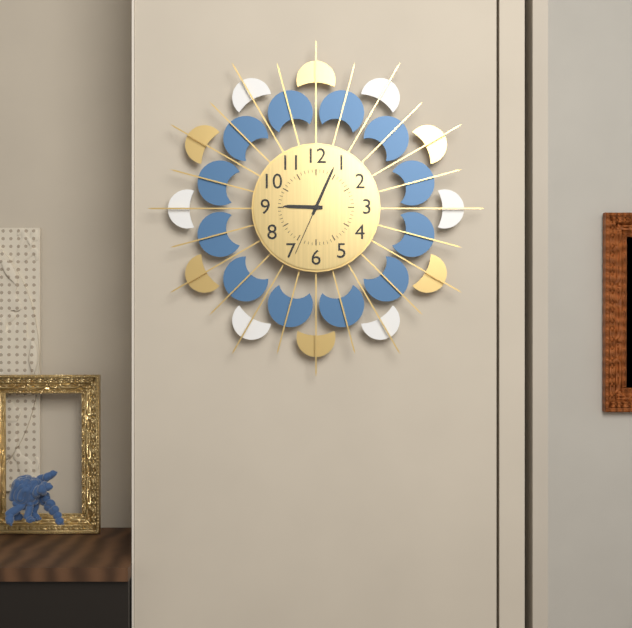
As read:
9.04.34
